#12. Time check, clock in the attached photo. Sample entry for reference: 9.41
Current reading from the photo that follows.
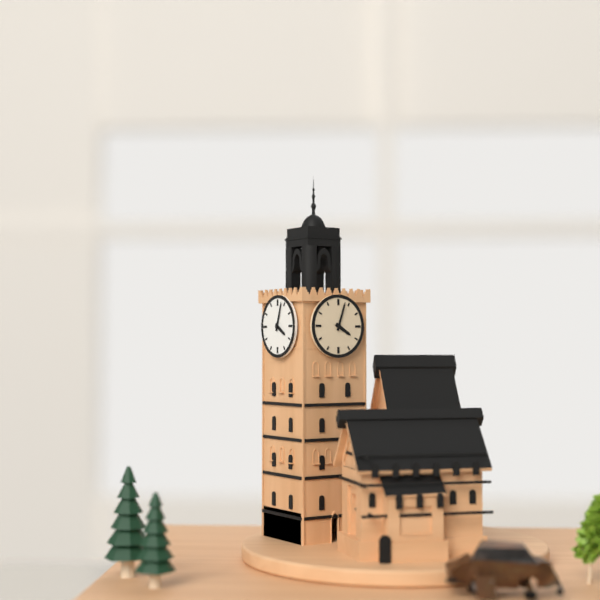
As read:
4.03
